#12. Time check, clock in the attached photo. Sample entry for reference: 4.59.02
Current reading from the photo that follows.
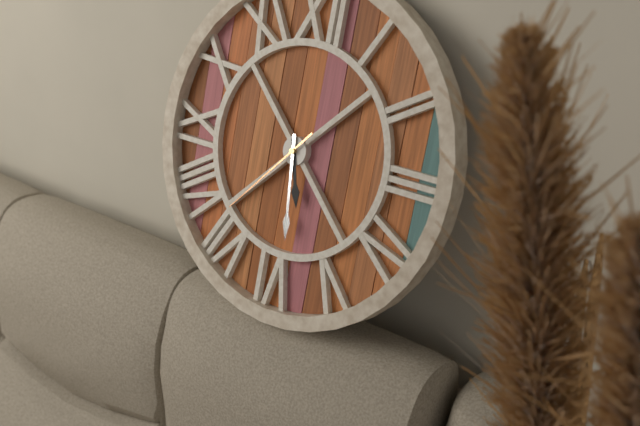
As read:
5.29.37
